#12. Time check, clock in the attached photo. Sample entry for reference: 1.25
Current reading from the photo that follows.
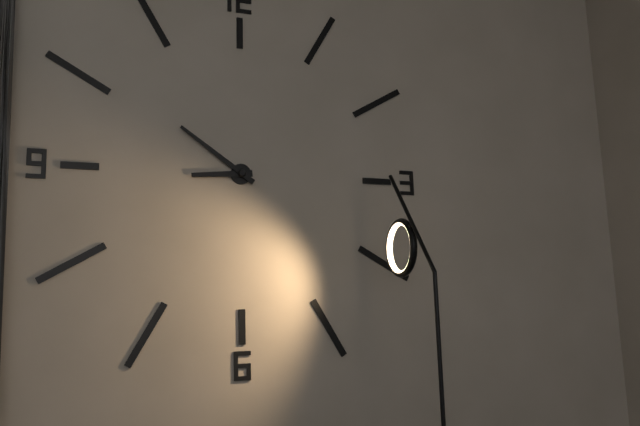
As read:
8.51
